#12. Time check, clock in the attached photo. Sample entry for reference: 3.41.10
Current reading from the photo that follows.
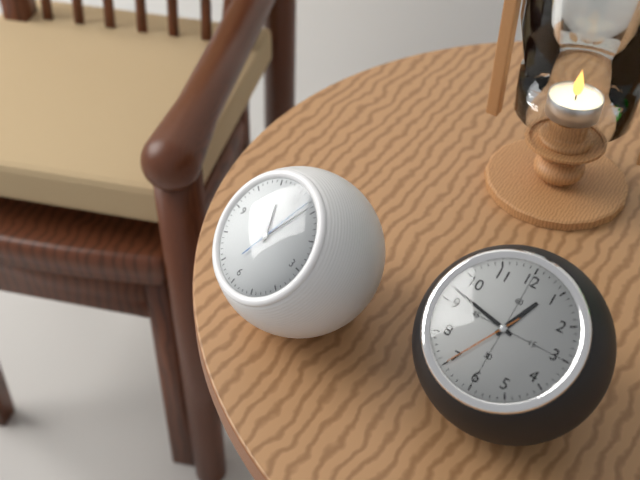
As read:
11.04.03
